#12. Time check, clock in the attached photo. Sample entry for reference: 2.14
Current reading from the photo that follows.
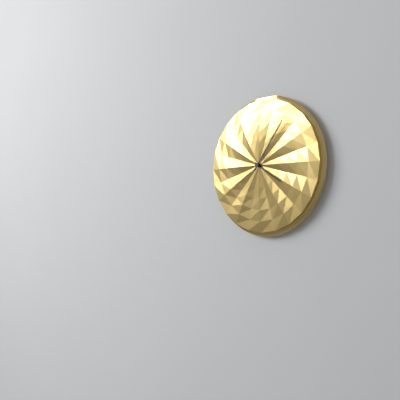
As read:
4.06
